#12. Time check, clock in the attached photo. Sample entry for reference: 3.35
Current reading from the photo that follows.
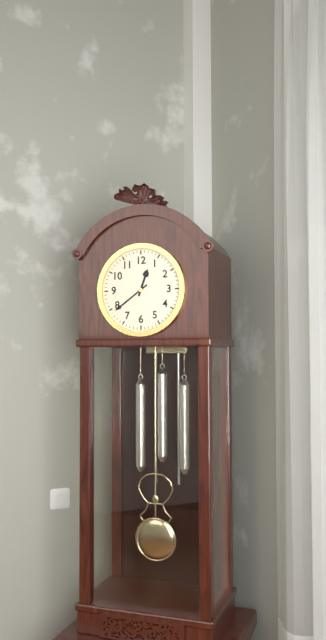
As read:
12.39
